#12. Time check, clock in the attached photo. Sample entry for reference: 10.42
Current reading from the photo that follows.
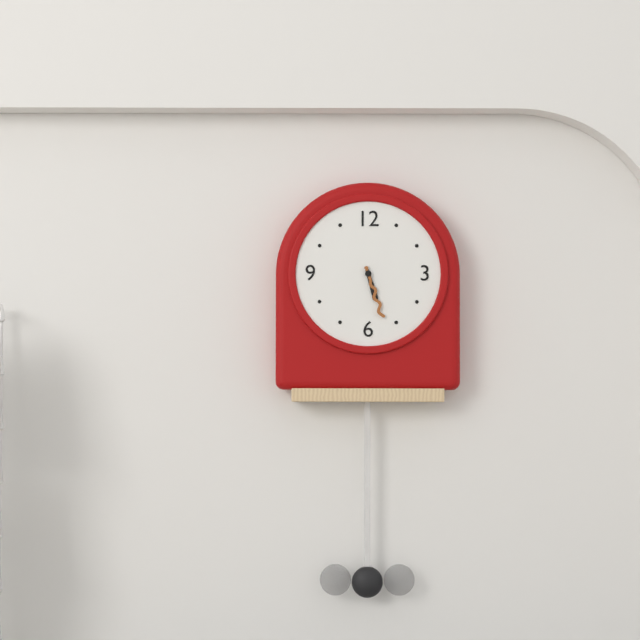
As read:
5.27
